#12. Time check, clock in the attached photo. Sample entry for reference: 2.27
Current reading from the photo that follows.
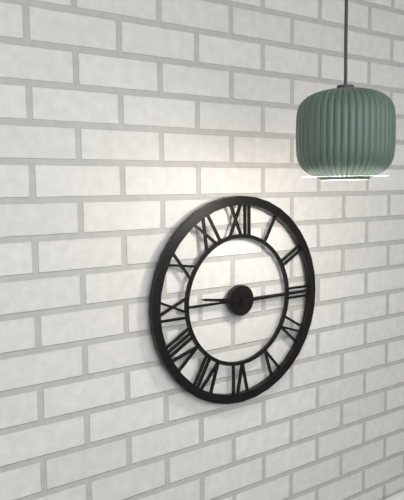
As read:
9.15
